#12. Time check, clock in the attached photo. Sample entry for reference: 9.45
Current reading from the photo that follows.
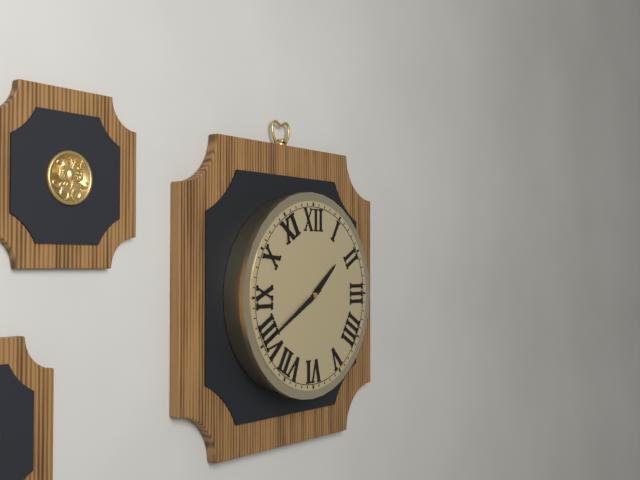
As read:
1.40
